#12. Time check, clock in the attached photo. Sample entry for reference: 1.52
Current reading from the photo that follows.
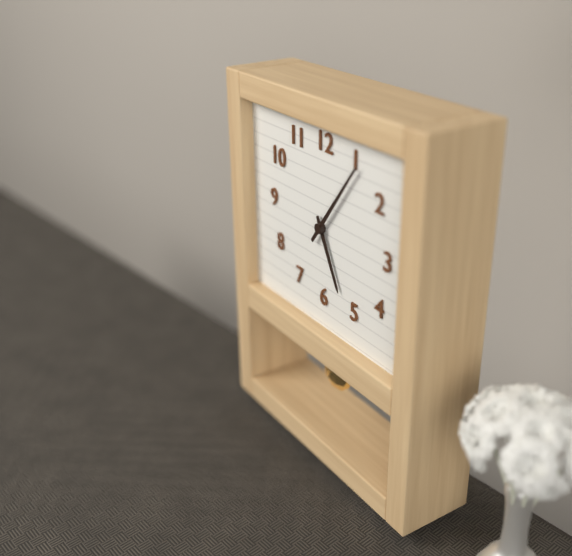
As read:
5.06
